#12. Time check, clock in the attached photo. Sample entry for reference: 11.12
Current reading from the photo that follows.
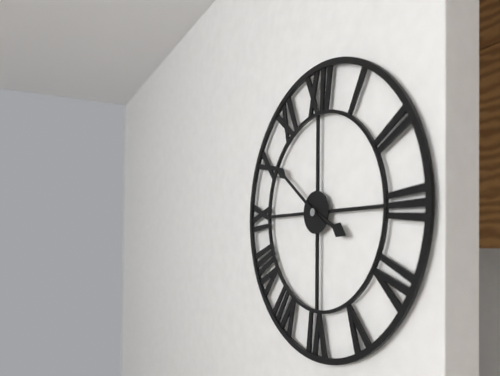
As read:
3.51
